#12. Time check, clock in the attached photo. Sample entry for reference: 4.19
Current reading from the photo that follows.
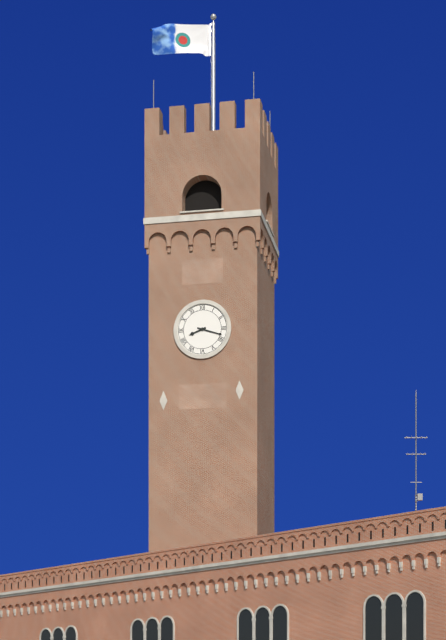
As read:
8.18
